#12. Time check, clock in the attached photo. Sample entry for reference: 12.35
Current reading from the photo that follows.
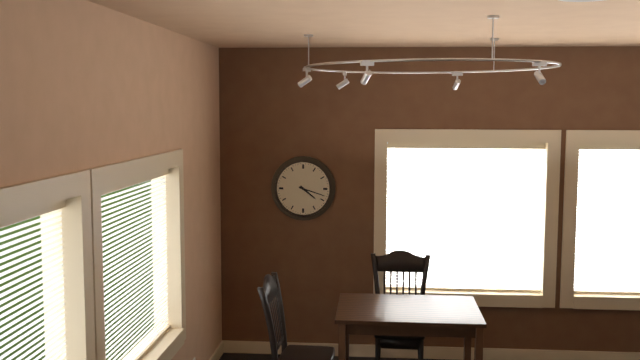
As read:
4.18
